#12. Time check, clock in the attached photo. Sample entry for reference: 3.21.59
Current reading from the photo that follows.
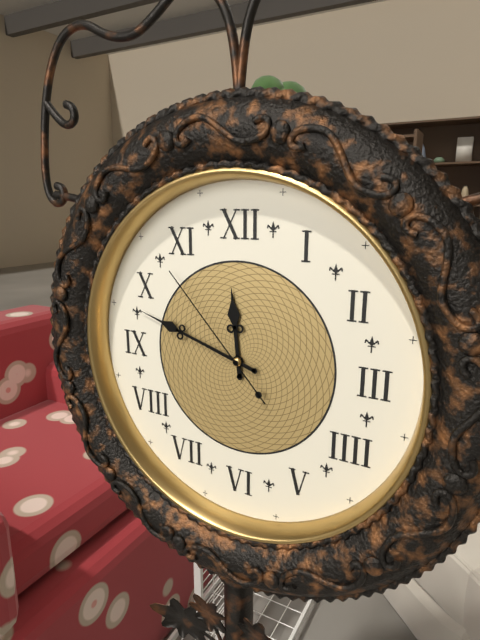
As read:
11.48.53
